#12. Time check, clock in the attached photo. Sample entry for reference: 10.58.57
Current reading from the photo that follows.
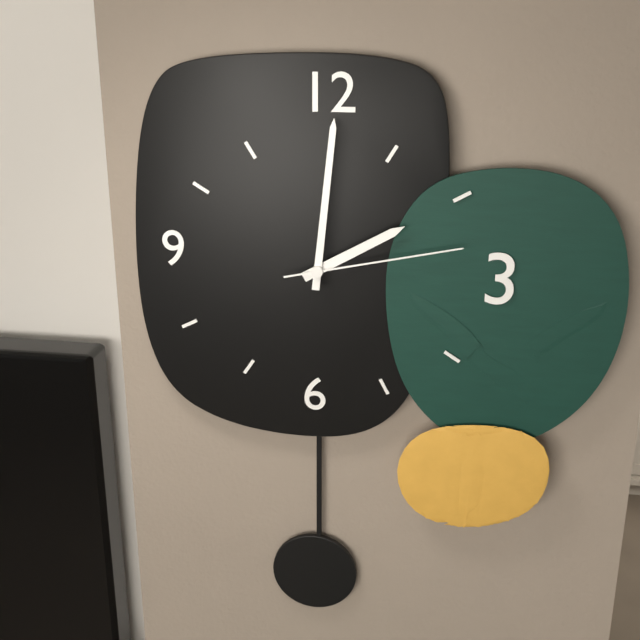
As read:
2.01.13
